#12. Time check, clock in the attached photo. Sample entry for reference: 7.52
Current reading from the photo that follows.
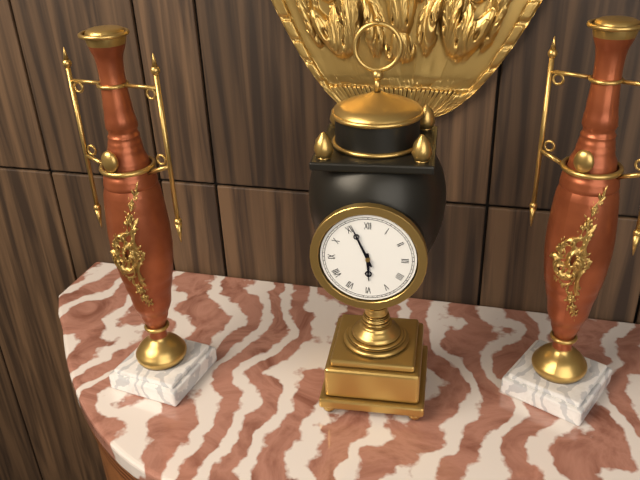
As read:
5.56
